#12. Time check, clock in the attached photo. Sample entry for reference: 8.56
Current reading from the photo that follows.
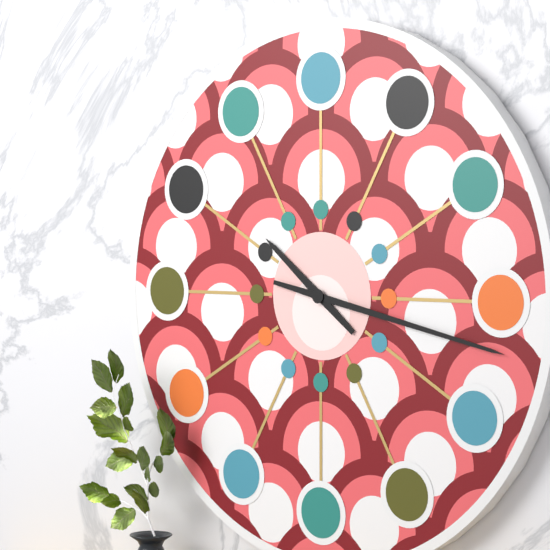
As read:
10.17
